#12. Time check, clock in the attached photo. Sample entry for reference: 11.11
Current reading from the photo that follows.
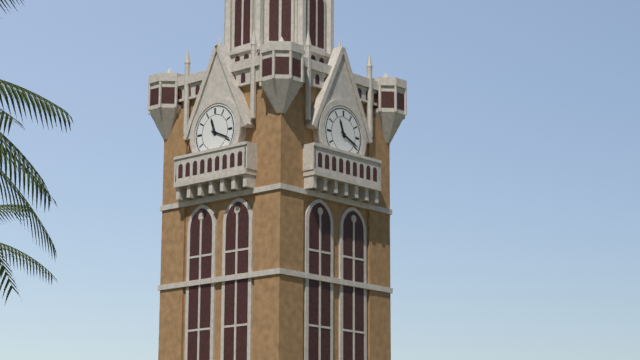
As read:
11.19
